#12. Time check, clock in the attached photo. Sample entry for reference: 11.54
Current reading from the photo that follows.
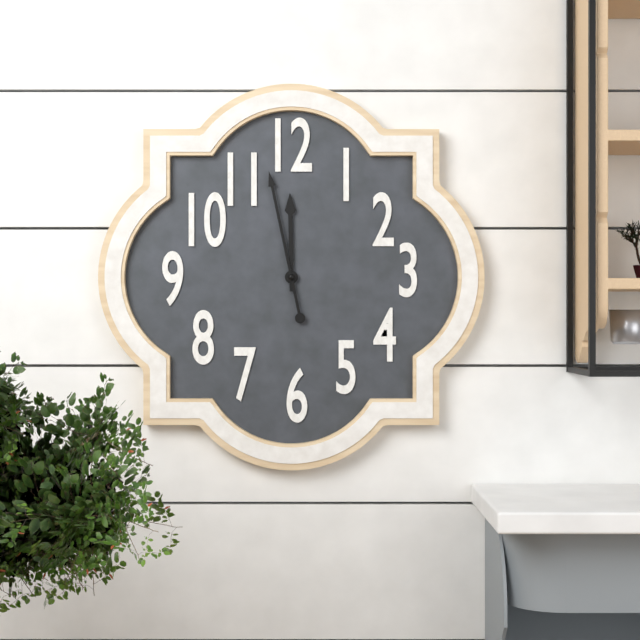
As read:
11.58
